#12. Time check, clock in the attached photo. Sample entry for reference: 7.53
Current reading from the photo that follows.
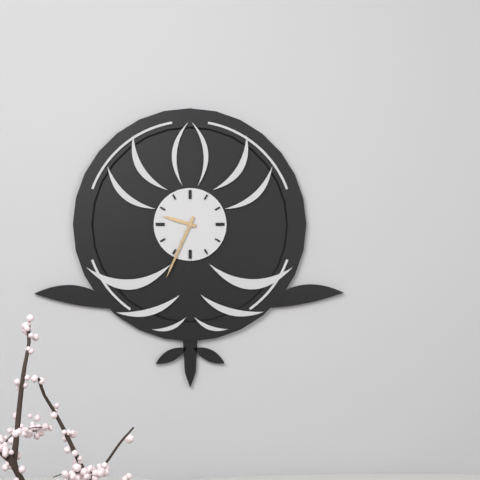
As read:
9.34
